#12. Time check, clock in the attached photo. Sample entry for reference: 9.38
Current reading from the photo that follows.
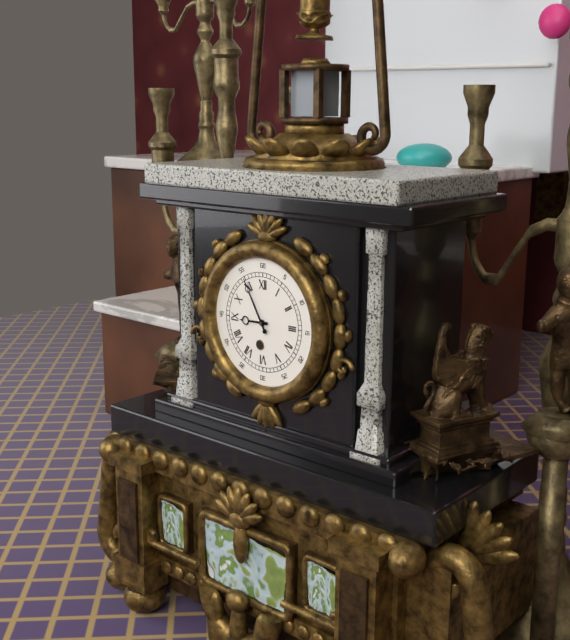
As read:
8.55
